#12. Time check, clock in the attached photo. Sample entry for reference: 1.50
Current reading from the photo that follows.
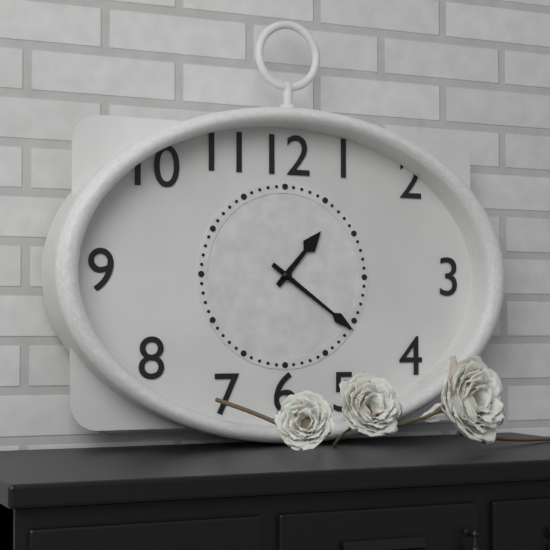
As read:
1.21
